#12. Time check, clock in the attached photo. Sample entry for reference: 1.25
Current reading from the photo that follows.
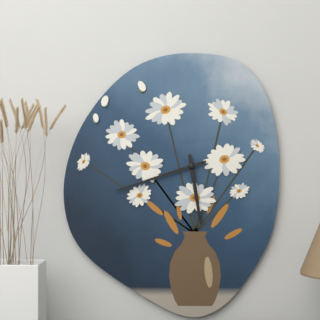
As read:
5.42
